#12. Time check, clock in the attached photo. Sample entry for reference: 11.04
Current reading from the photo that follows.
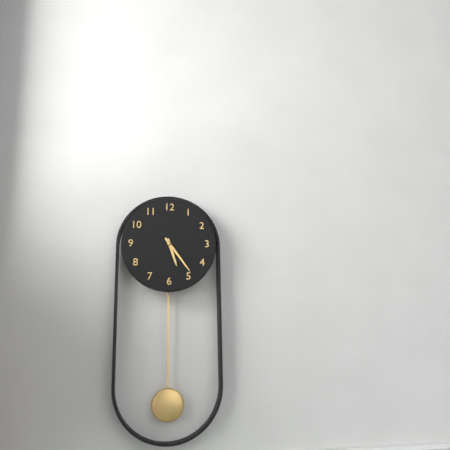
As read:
5.24
